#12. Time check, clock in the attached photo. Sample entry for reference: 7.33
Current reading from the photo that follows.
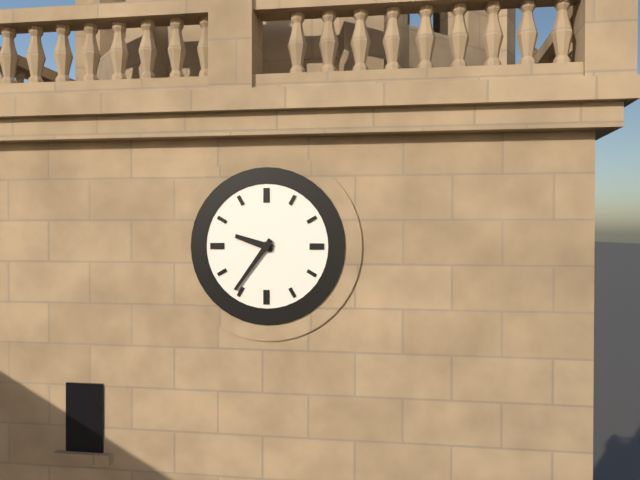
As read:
9.36
